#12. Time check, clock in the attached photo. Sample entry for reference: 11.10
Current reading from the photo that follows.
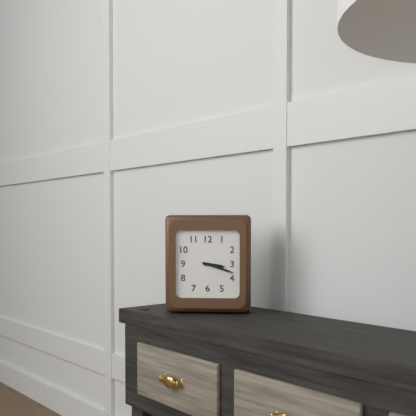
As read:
3.18
